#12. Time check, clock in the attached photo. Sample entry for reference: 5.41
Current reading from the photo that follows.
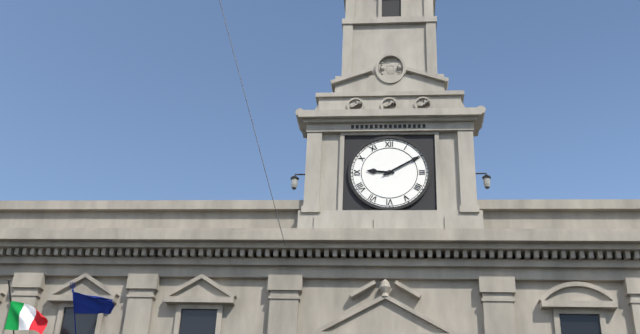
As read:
9.10
